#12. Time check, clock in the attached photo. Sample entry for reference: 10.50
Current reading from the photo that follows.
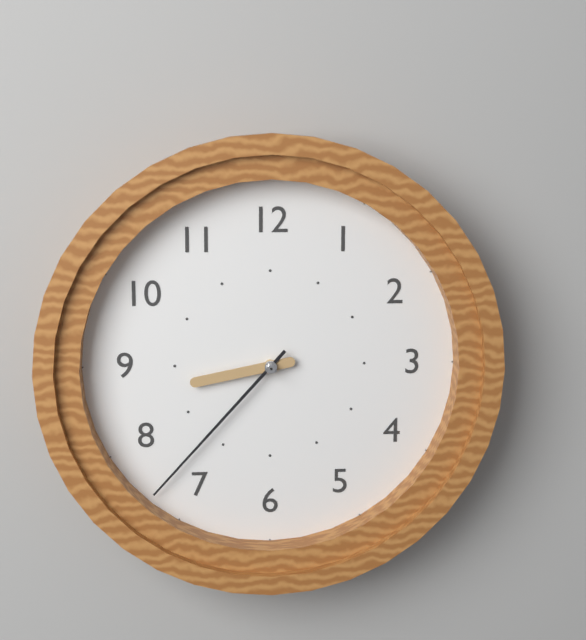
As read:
8.37
